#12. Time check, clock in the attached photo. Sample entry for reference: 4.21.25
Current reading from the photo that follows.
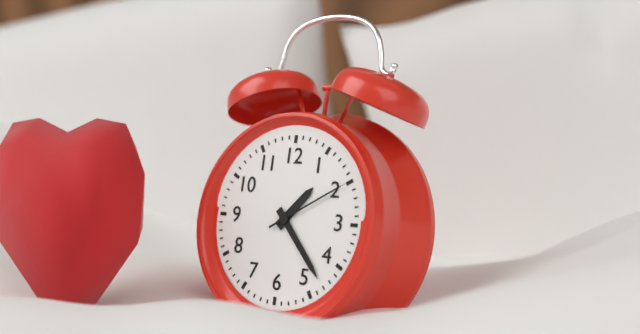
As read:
1.23.10
